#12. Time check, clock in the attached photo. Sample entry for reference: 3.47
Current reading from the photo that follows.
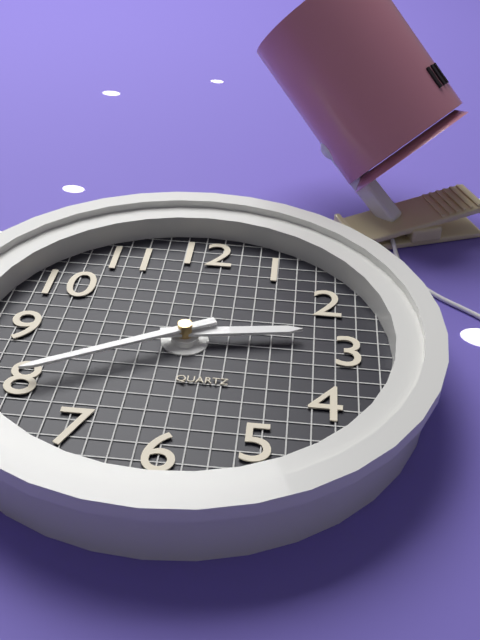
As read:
2.40
